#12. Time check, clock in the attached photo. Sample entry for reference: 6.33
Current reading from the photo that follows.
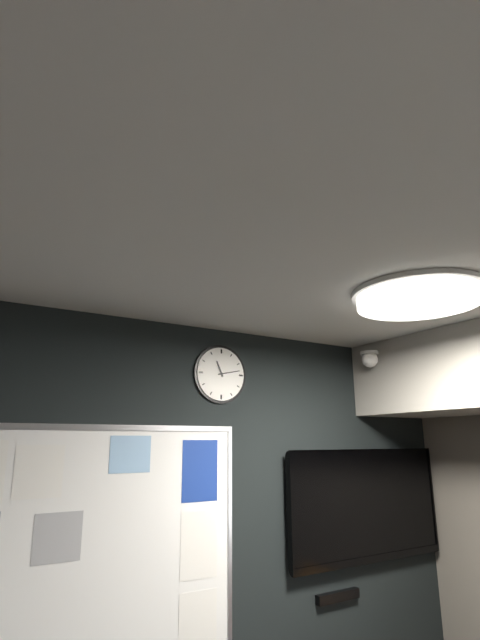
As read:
11.13
